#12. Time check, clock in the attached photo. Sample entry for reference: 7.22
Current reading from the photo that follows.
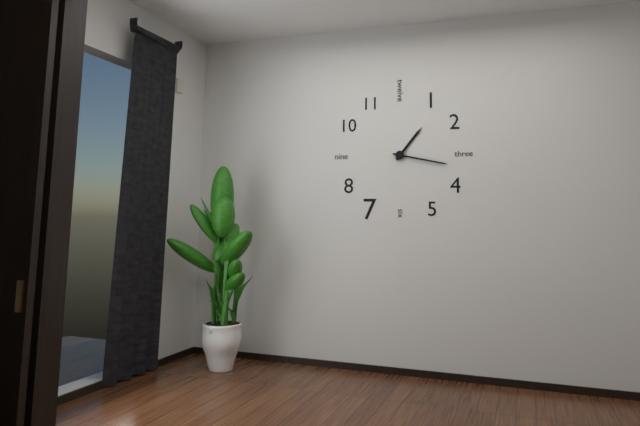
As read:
1.17
